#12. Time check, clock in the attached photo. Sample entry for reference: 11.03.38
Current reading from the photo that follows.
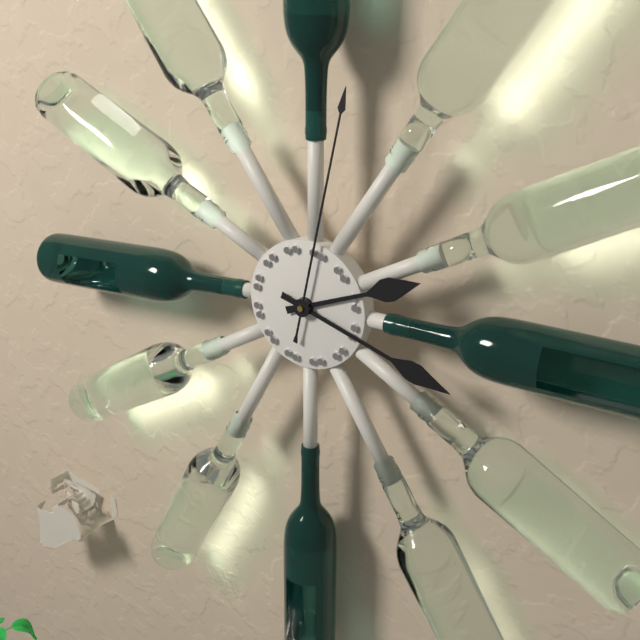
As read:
2.18.02
